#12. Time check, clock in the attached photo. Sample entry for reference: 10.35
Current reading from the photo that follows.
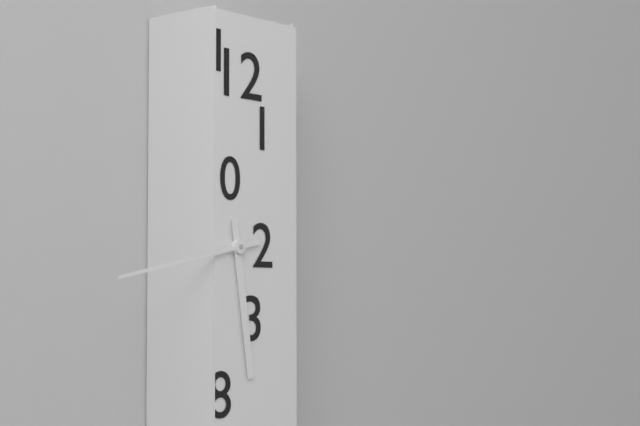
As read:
5.43
